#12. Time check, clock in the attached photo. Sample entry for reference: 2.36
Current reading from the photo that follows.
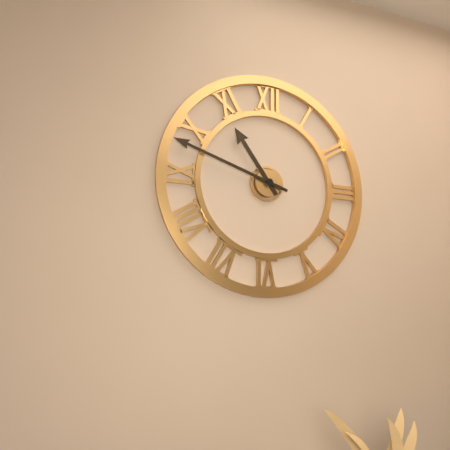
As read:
10.48
